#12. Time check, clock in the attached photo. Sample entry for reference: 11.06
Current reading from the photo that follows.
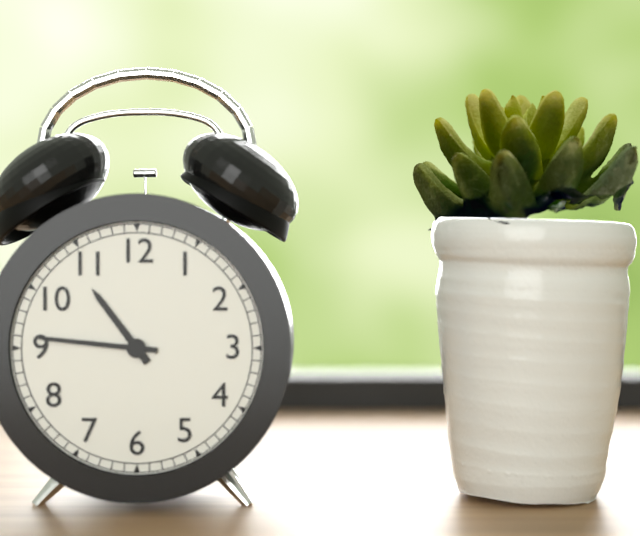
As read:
10.46
